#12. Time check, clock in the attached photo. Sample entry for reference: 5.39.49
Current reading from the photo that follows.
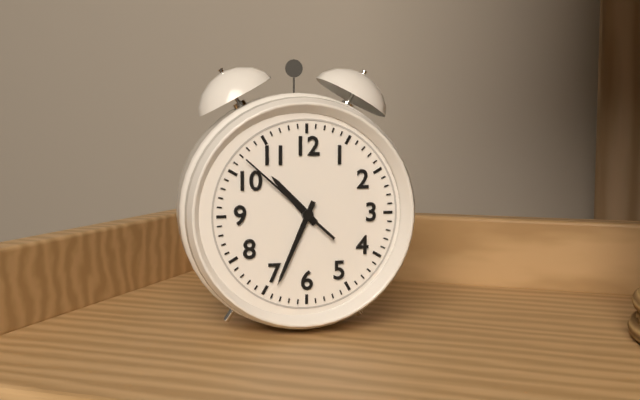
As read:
10.34.52
